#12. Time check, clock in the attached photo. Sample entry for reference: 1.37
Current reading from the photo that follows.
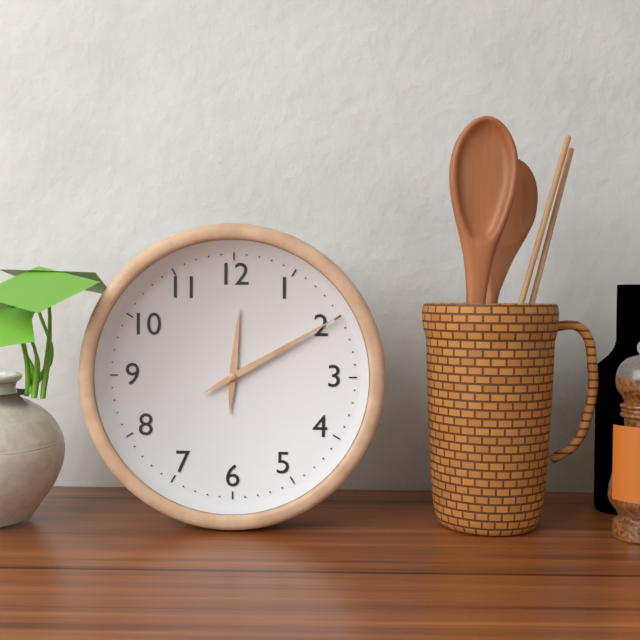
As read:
12.10
